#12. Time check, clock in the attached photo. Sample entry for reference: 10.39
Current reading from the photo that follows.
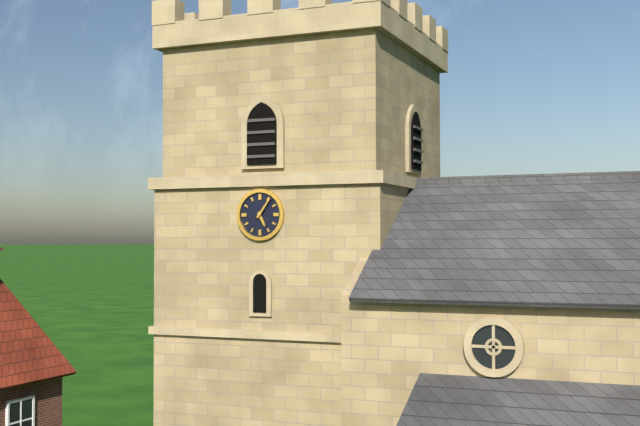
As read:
5.06
